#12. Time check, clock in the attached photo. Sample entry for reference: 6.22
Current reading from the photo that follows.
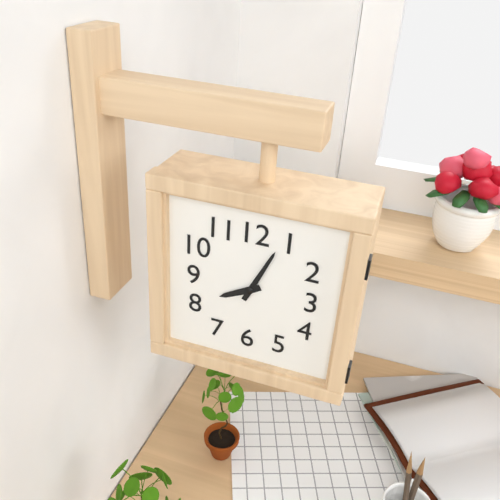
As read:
8.04
